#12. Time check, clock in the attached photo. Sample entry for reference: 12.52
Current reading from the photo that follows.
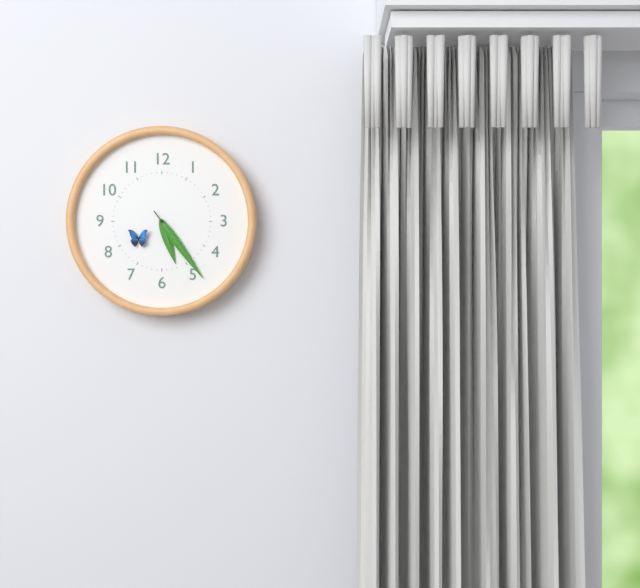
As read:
5.24
